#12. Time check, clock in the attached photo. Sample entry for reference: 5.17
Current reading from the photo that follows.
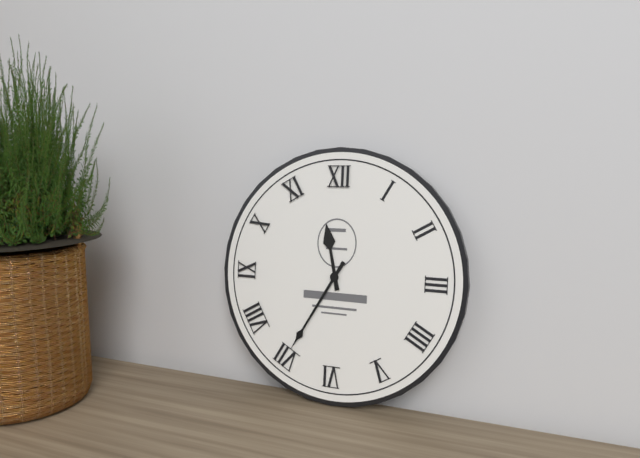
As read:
11.35
